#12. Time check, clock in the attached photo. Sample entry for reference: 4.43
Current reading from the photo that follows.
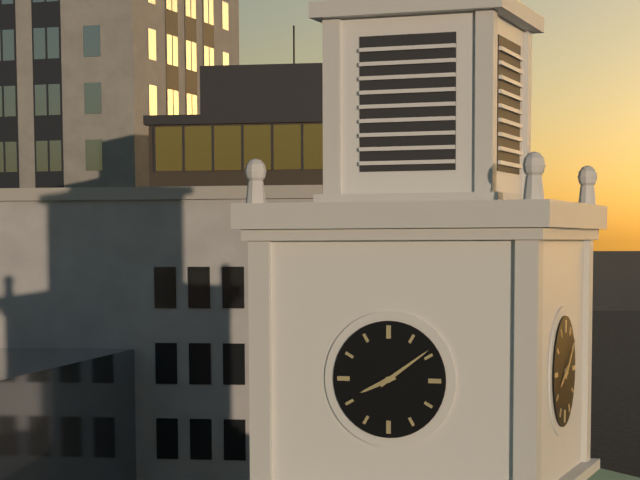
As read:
8.09
